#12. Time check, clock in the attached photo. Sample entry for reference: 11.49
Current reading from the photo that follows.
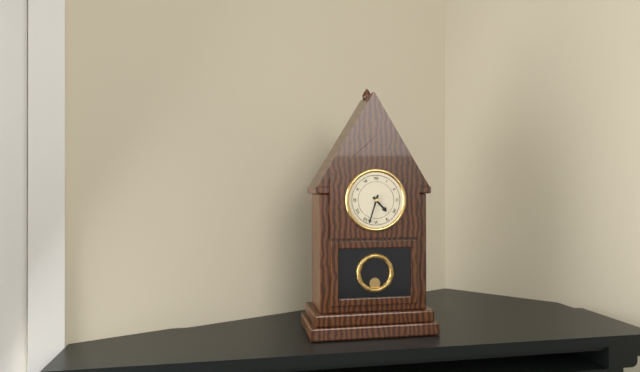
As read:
4.33
